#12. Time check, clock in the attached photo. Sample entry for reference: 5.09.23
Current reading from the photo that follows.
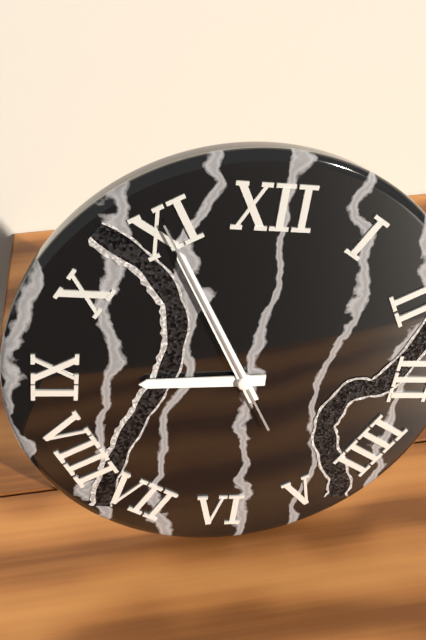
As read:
8.55.55
